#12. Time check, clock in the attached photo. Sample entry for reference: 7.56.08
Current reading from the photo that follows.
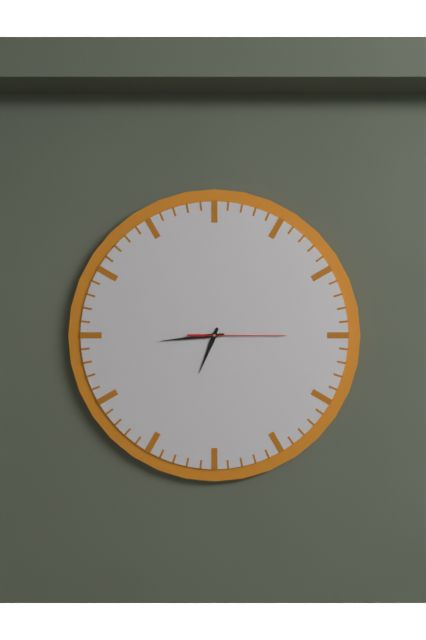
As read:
6.44.15
